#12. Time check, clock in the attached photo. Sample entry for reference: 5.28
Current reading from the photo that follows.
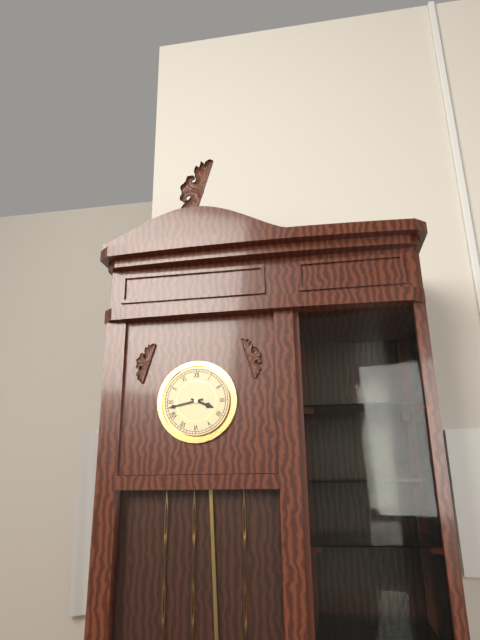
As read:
3.43
